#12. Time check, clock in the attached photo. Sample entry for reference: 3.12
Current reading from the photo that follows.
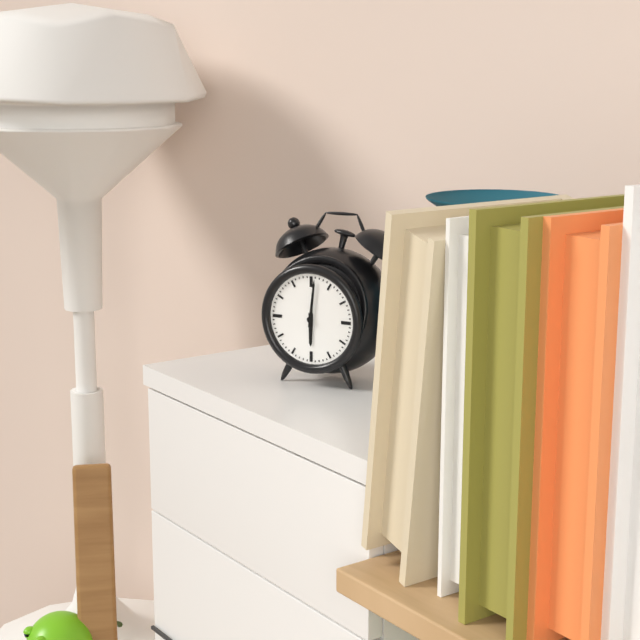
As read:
6.01
